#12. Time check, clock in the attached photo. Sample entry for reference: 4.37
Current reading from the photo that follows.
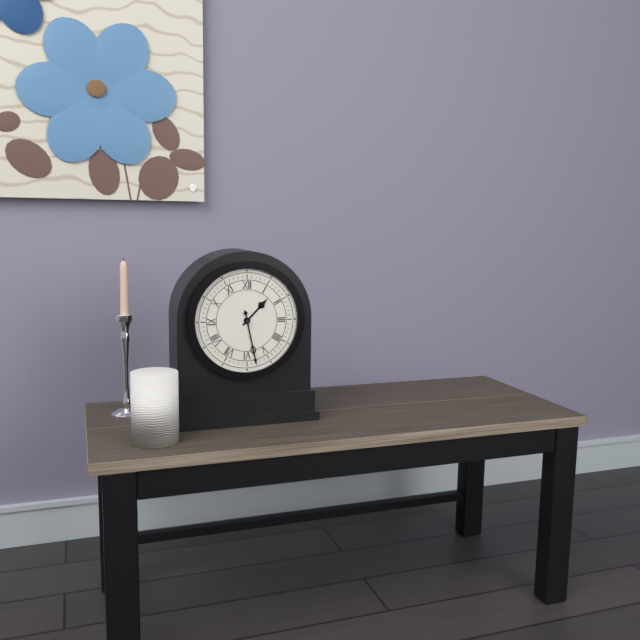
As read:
1.28
